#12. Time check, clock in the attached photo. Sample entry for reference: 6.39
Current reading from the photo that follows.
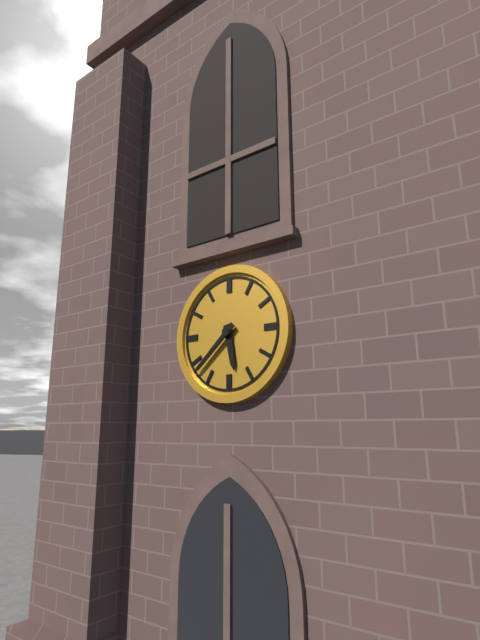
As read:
5.38
